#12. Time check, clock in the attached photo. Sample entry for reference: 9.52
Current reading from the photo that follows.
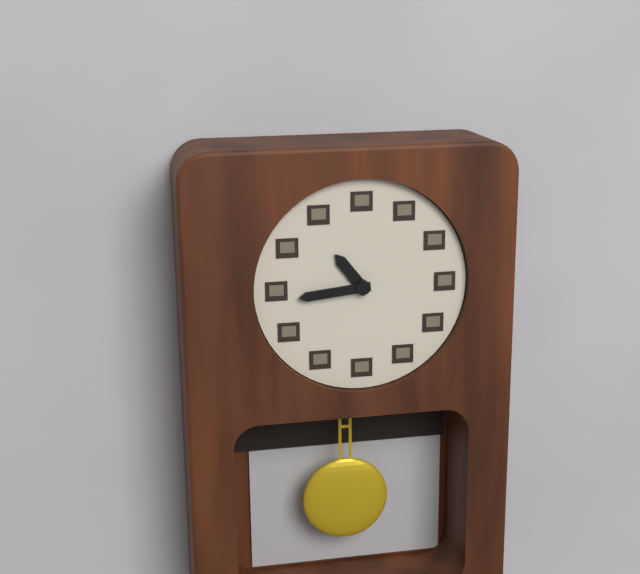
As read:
10.44
